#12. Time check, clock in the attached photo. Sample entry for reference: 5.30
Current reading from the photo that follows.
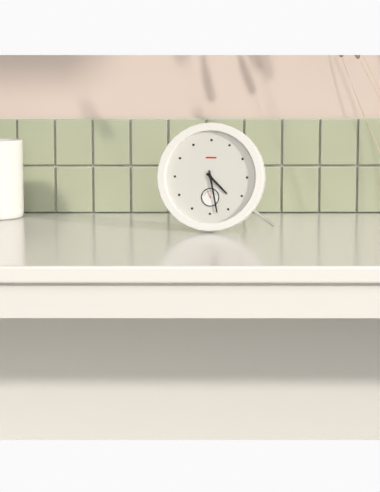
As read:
4.28
